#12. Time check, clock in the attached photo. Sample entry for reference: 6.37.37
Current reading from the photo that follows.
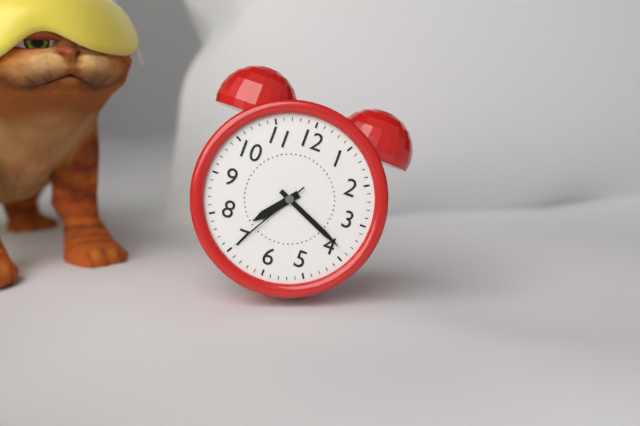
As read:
7.19.35
